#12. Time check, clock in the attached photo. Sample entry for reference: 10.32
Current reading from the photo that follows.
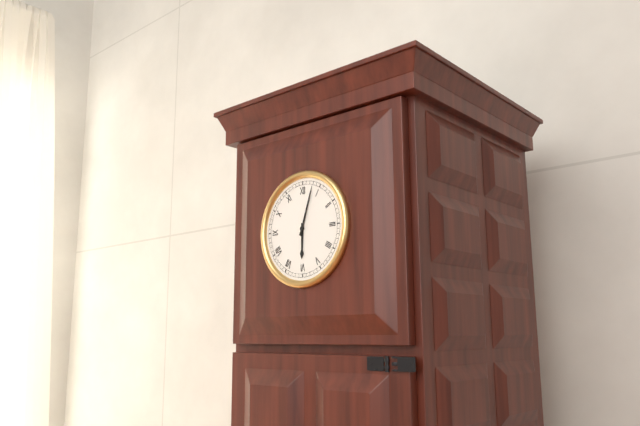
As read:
6.03
